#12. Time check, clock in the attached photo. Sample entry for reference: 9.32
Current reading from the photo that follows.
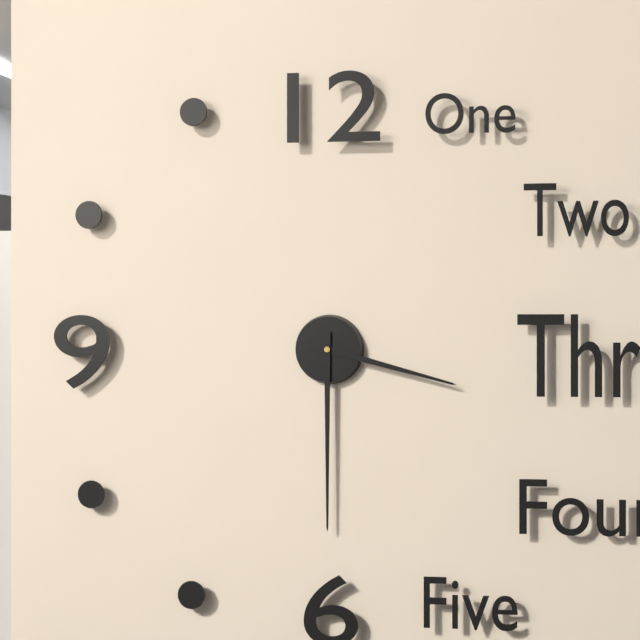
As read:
3.30
